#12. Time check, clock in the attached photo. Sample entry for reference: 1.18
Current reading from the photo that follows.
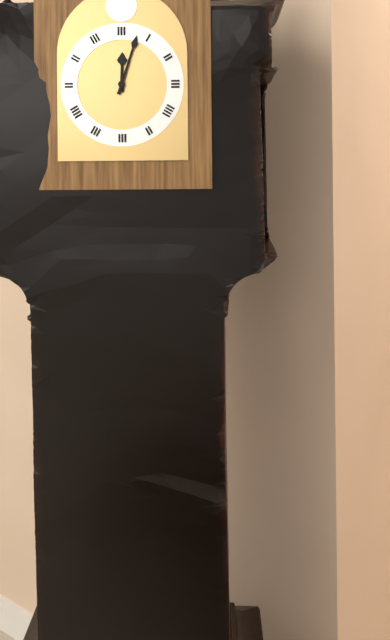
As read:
12.03
